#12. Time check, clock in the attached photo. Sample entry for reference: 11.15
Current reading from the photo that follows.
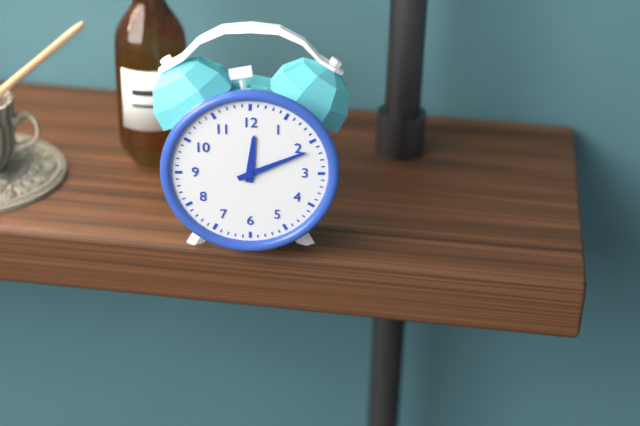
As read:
12.11
